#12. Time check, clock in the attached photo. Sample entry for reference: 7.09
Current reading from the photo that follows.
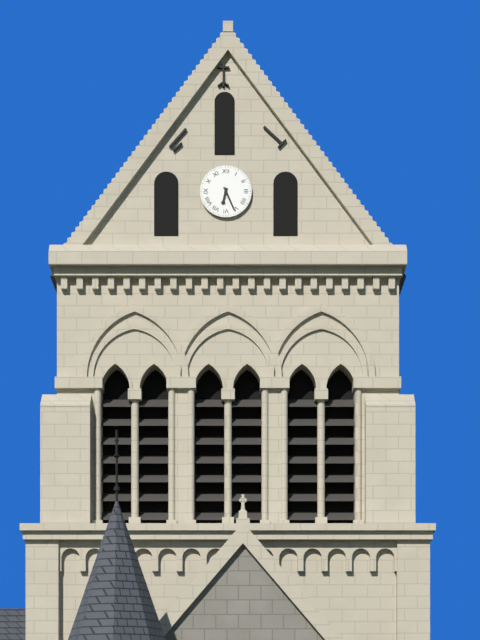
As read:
6.26
